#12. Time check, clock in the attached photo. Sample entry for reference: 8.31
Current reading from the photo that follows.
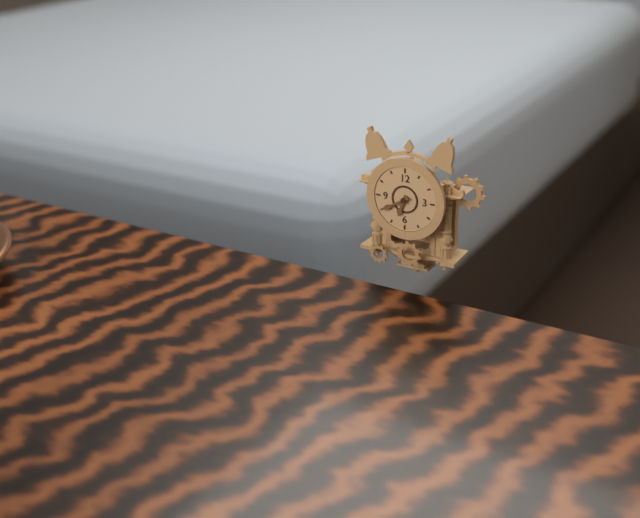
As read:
6.40
